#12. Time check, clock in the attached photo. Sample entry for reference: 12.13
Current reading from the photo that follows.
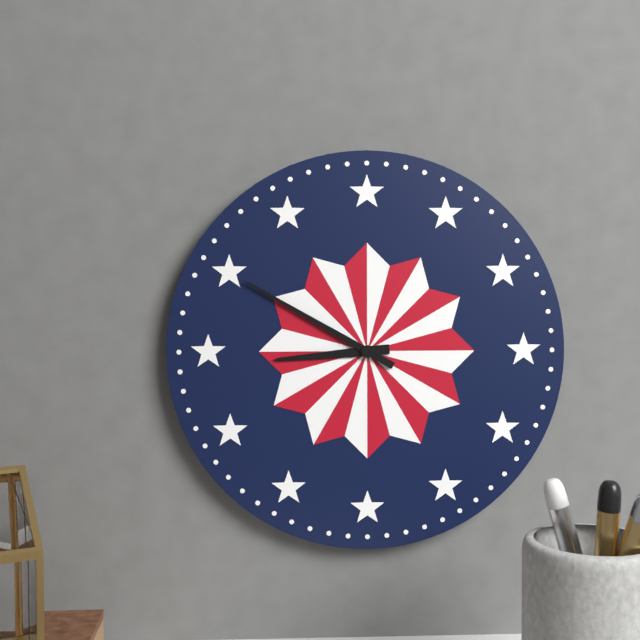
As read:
8.50
